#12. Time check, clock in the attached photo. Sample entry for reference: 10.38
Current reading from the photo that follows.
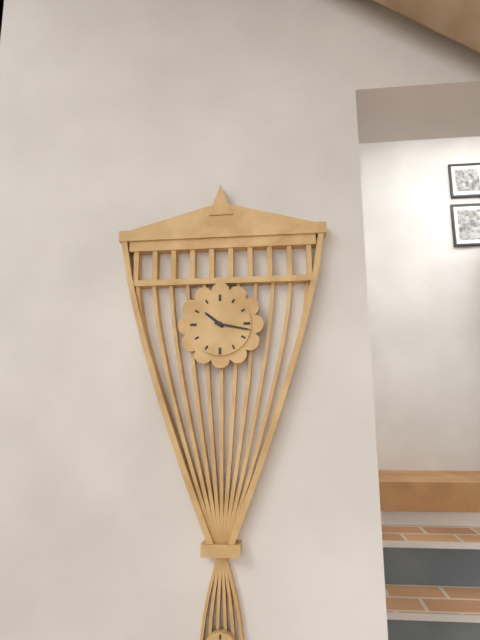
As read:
10.17
